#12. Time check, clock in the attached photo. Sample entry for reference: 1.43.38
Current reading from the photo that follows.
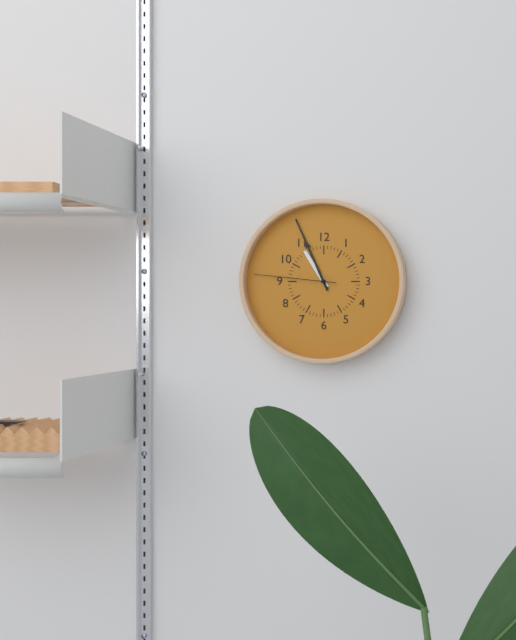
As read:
10.56.46
